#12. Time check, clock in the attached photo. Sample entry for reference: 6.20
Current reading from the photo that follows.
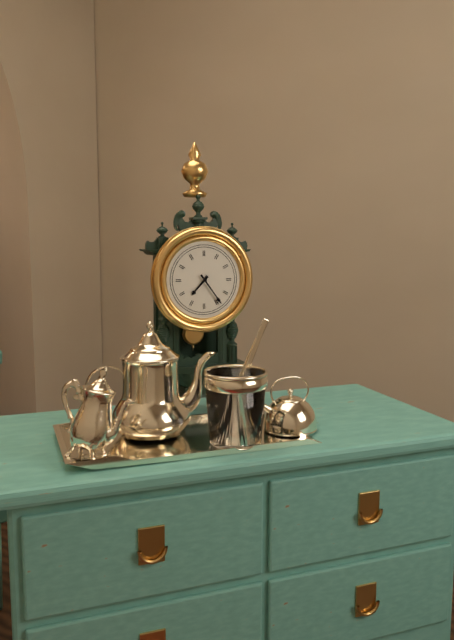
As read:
7.24
